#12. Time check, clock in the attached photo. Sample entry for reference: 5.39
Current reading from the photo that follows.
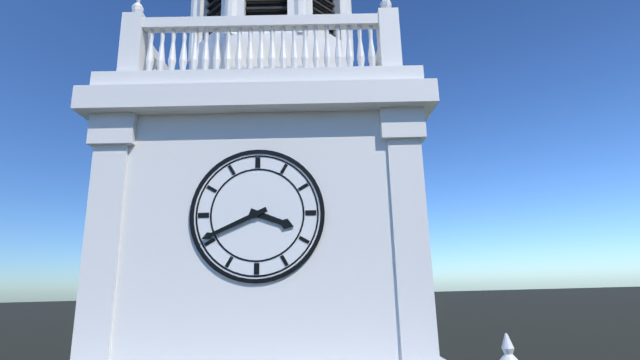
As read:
3.41
